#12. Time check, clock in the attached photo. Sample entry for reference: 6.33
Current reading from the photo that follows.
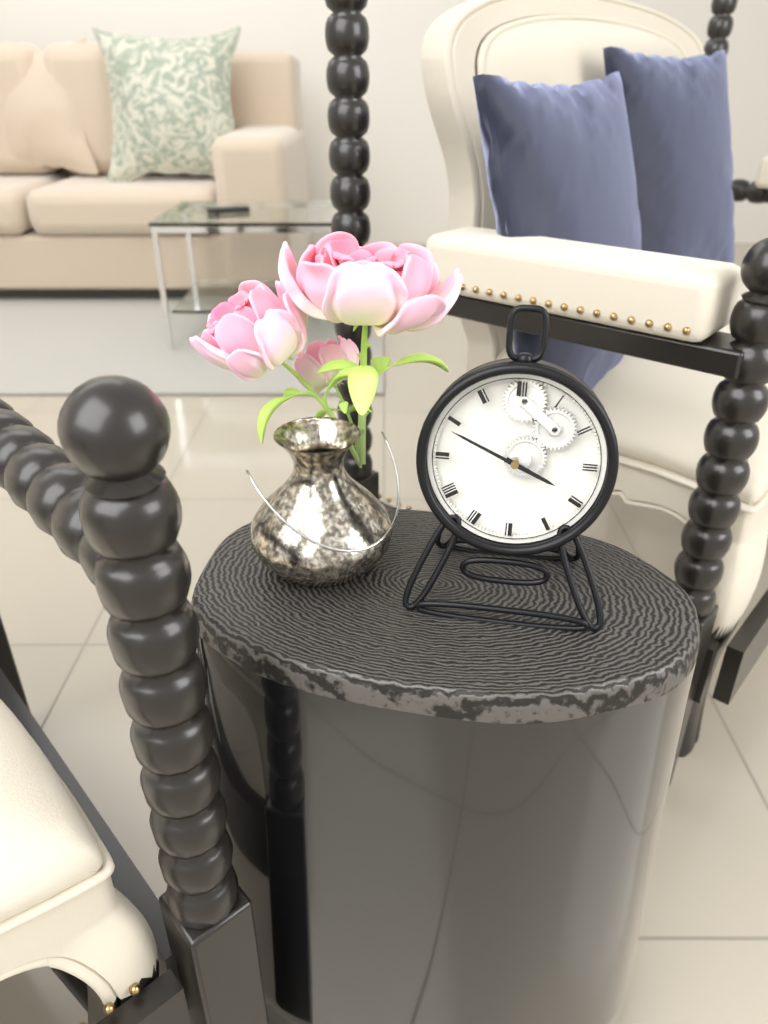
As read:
3.49
